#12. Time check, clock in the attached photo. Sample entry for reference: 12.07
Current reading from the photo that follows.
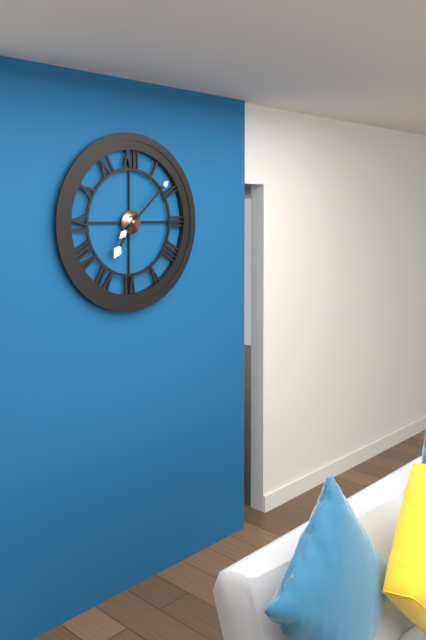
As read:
7.08
